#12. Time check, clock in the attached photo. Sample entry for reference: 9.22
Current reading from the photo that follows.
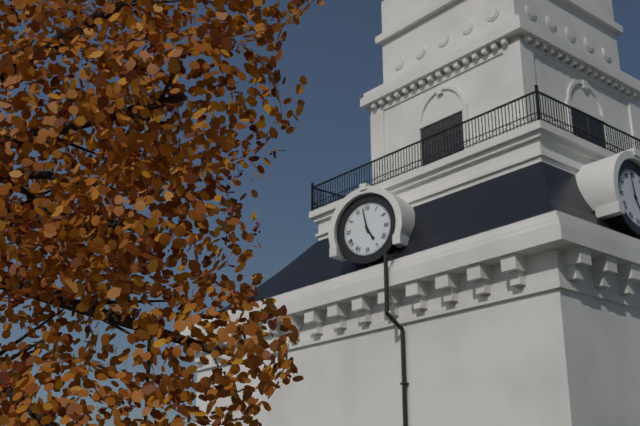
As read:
4.58
